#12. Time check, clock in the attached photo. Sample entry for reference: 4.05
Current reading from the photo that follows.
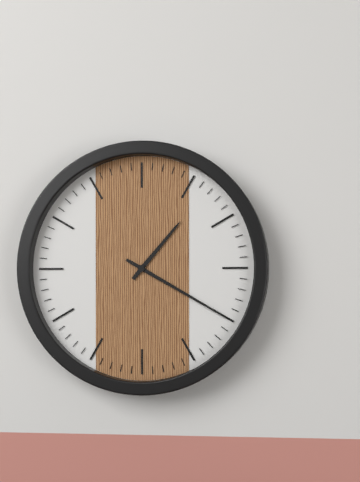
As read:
1.20
